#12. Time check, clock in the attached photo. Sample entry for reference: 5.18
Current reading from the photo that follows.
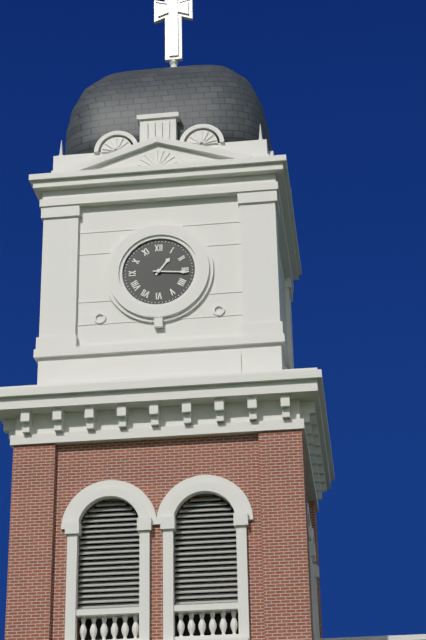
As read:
1.16
